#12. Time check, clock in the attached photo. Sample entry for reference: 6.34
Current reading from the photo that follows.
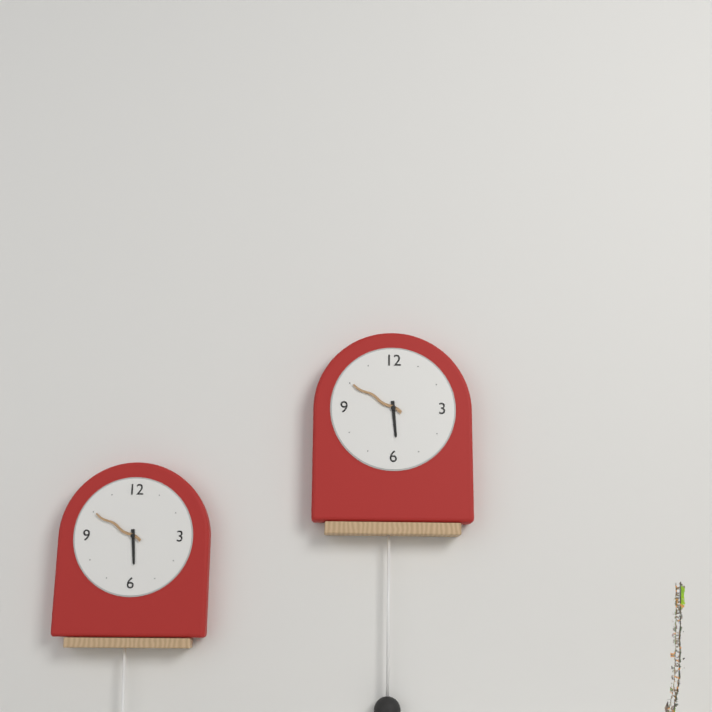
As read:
5.50
